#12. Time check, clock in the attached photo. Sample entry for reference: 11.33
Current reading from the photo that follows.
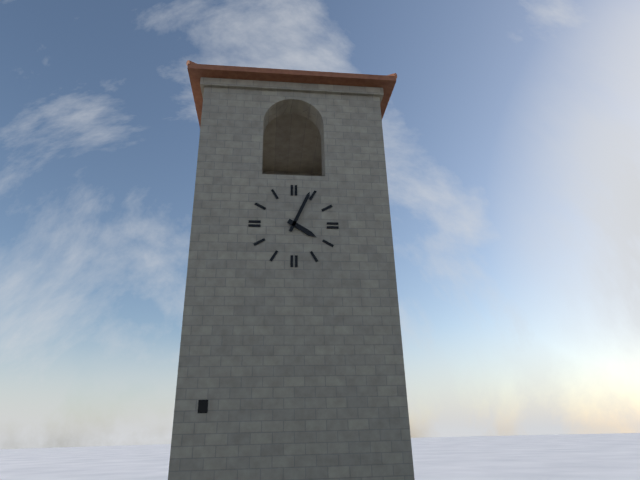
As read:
4.04
